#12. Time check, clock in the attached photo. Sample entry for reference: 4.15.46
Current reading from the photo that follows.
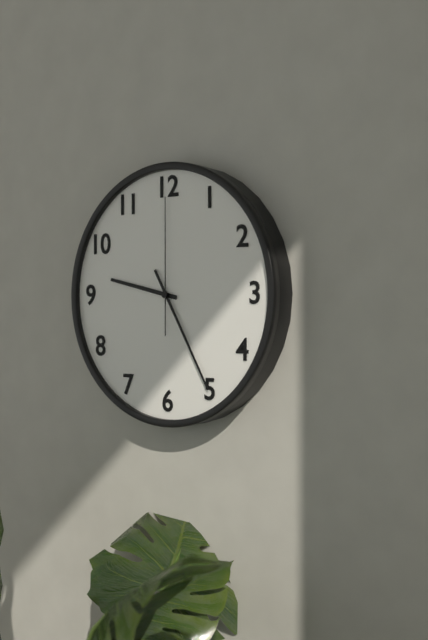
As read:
9.25.00
